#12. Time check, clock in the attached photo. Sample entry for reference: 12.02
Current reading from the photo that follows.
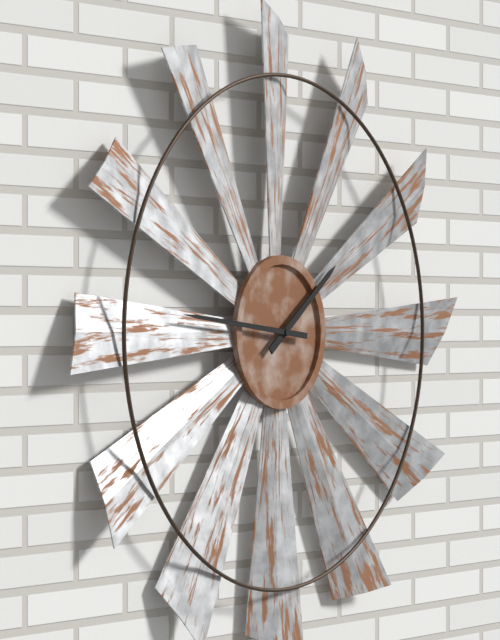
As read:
1.46
